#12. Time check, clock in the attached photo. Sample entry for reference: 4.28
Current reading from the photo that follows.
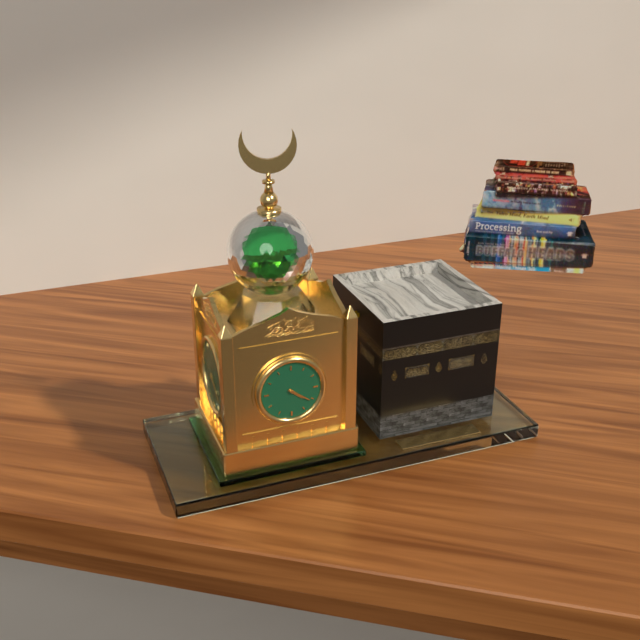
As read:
4.21
